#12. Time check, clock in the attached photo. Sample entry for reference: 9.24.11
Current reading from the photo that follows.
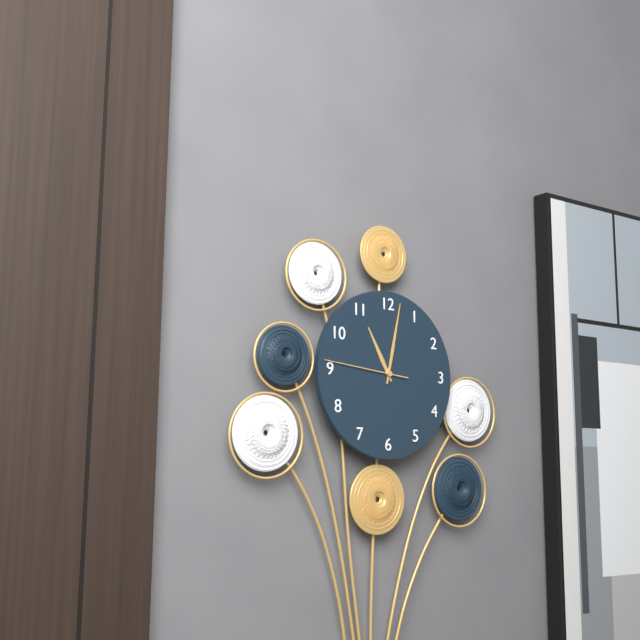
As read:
11.02.46
